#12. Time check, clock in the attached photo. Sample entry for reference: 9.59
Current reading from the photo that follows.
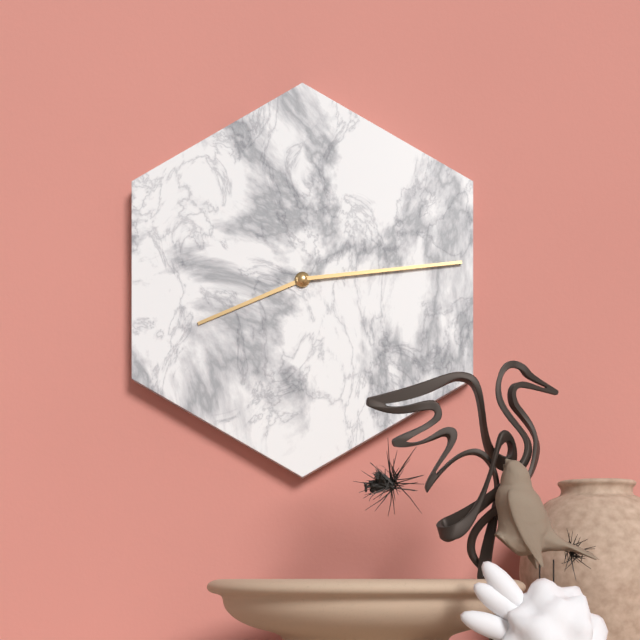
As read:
8.14
